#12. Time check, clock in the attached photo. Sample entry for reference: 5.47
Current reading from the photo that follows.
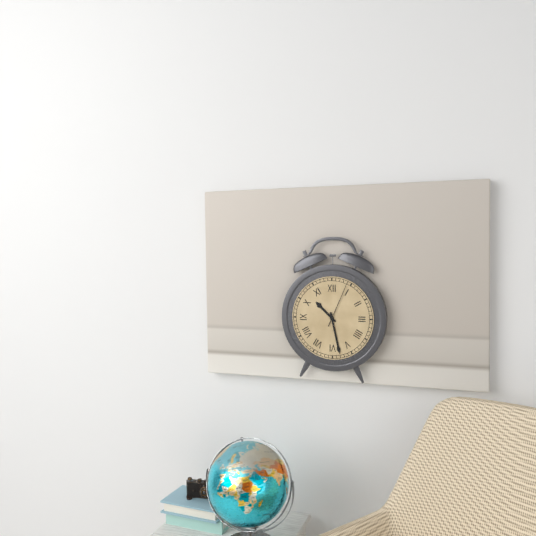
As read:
10.28
